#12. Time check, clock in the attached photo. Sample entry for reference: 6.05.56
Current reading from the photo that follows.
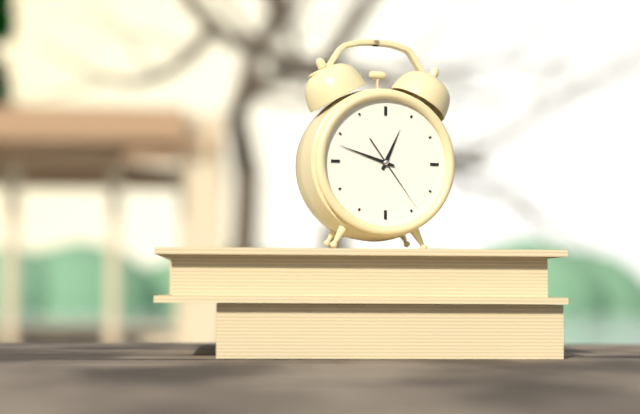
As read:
12.48.24
